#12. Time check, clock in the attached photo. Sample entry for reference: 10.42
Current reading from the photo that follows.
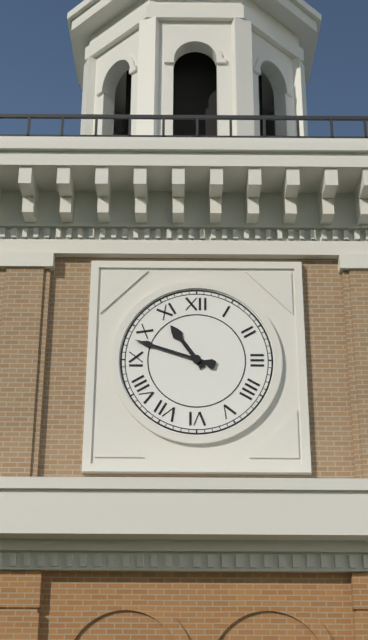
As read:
10.48
